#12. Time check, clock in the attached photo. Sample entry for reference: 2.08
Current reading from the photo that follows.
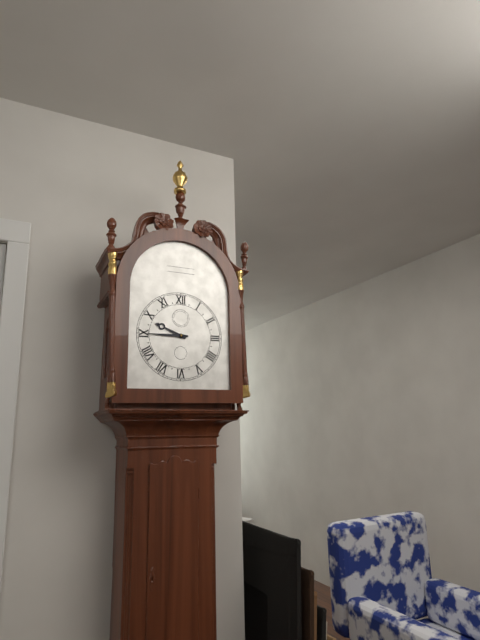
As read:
9.45
